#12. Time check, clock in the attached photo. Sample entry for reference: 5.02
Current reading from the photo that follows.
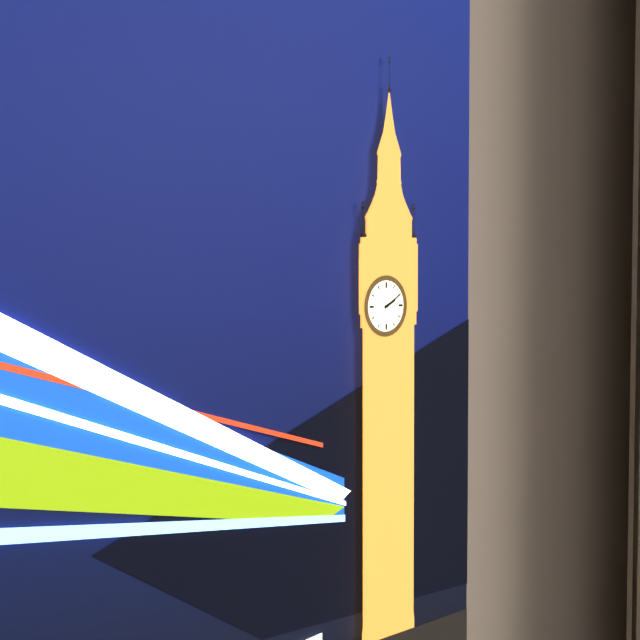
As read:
2.10
